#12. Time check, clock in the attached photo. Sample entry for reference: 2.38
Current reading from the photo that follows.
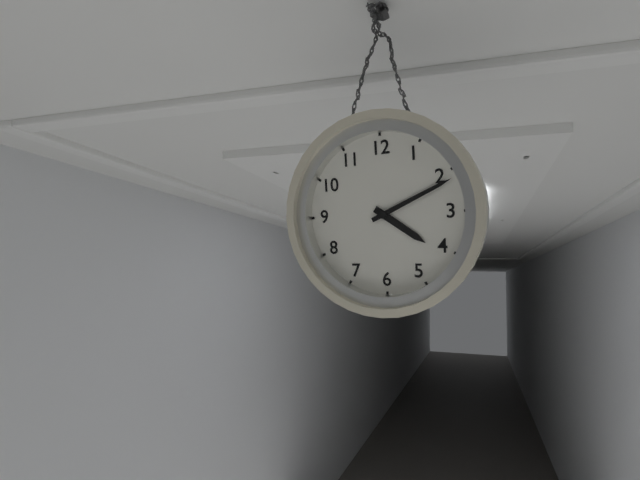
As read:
4.11
